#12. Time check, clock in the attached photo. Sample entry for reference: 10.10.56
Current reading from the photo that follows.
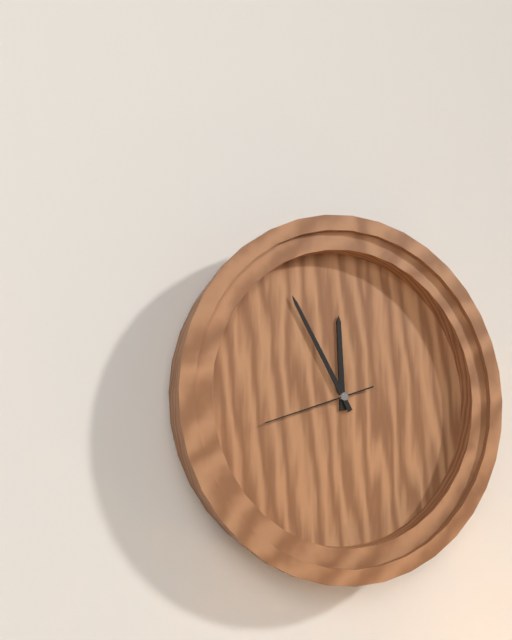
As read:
11.55.42
